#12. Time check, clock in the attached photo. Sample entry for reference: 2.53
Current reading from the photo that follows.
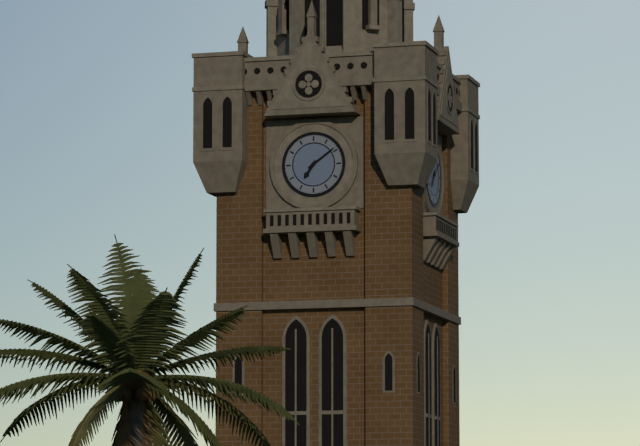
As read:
7.09
